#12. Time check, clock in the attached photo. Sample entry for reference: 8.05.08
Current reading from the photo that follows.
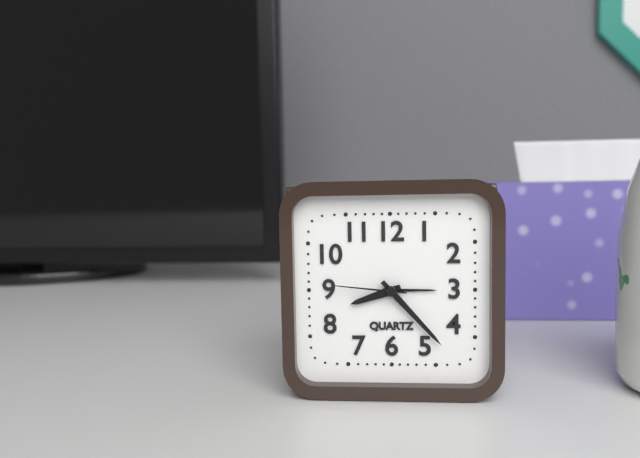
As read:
8.23.46
